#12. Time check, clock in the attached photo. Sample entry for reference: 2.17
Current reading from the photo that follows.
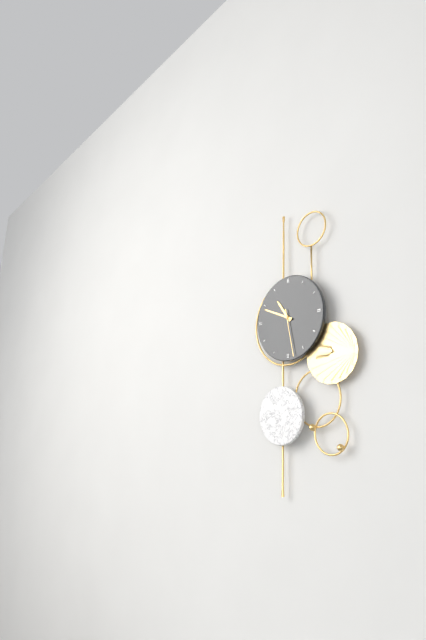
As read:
10.49
